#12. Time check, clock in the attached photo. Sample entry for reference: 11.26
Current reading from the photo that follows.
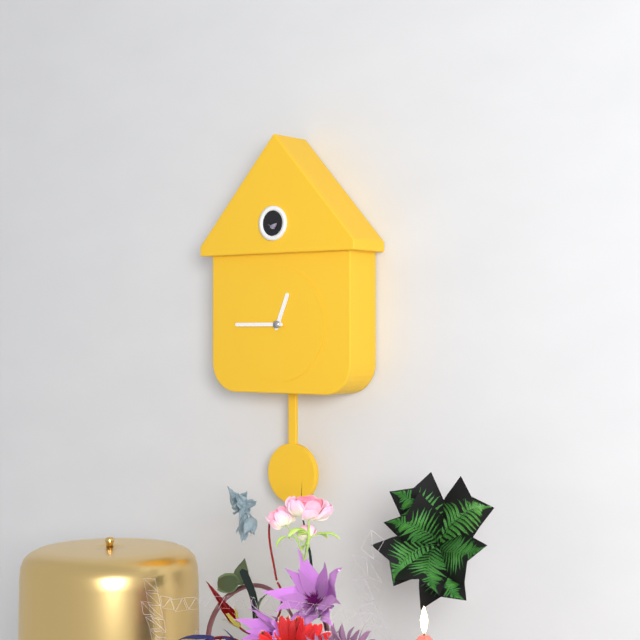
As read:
12.45
